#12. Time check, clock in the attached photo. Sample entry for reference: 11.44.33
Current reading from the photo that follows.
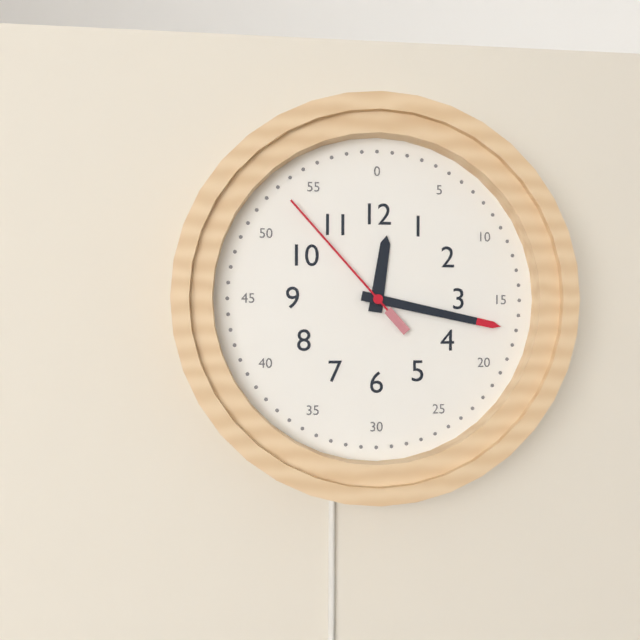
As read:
12.17.53
